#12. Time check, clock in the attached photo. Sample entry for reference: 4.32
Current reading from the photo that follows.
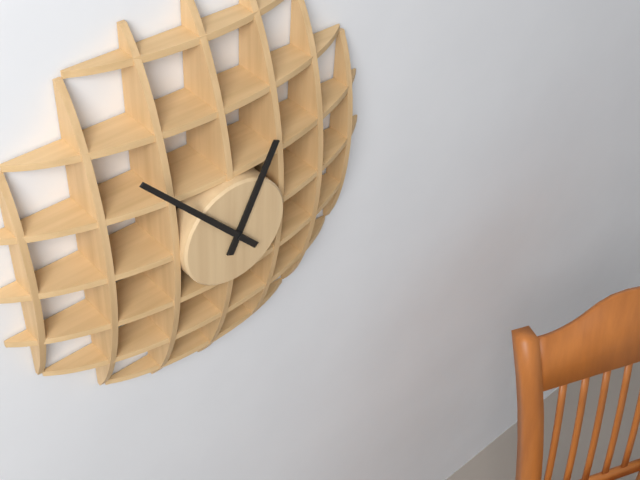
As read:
12.53
